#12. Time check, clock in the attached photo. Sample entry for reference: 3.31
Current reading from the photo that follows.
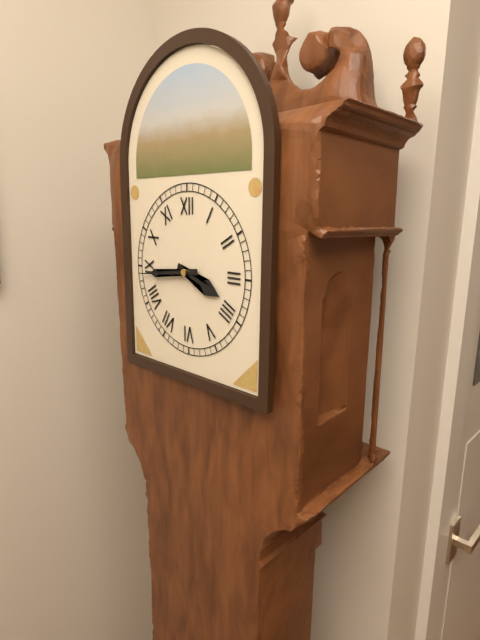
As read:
3.44
